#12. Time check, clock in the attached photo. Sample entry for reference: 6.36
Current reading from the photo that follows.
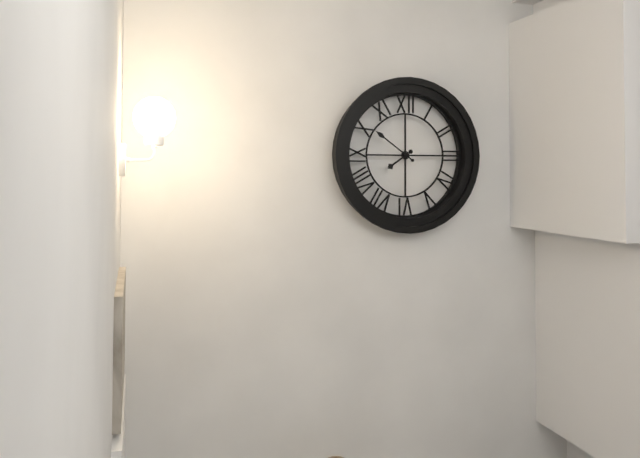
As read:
7.51
